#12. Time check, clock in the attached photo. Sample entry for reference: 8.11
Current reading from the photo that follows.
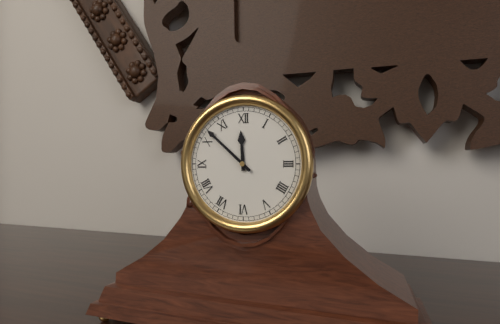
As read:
11.52
